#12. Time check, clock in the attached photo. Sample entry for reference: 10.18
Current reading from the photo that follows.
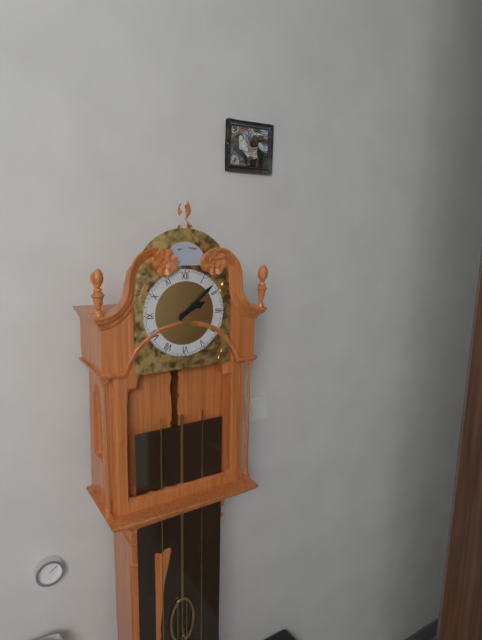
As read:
2.08
